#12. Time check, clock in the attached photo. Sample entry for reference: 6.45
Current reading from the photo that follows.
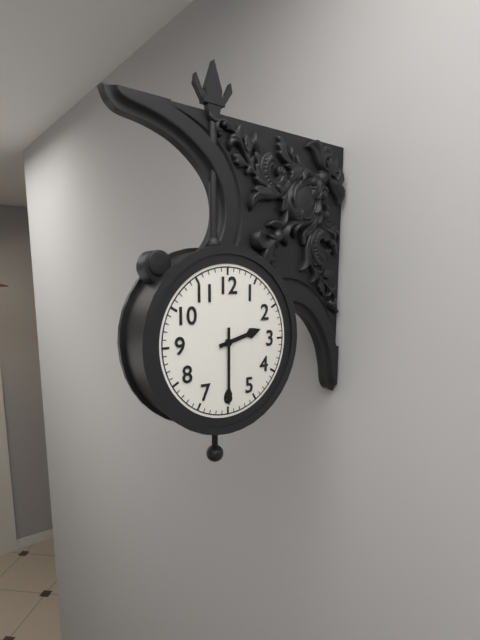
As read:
2.30
